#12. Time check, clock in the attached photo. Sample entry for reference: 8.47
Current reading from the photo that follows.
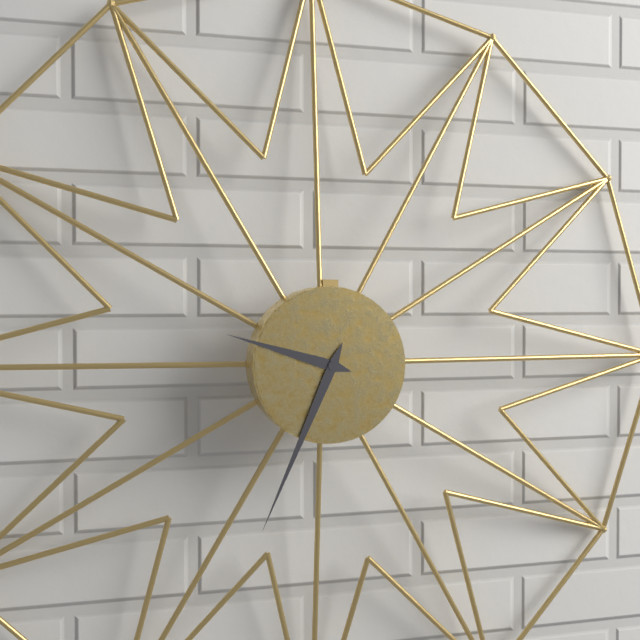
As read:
9.34
